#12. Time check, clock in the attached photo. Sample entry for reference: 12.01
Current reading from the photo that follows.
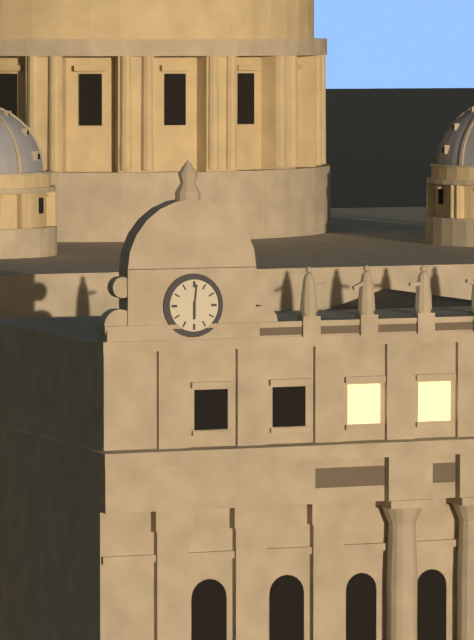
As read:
6.01
